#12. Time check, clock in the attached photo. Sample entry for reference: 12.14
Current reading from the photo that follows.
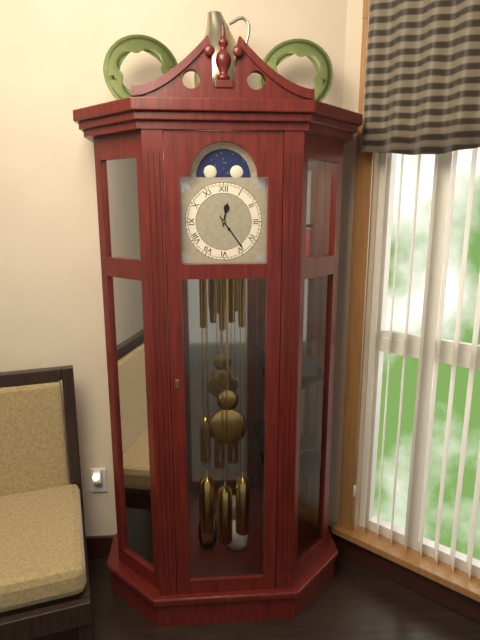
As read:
12.24
